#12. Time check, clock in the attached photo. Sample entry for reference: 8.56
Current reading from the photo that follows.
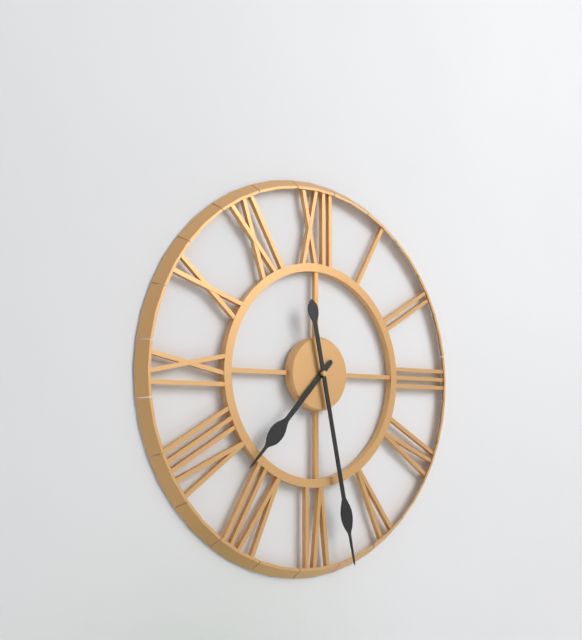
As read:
7.28
